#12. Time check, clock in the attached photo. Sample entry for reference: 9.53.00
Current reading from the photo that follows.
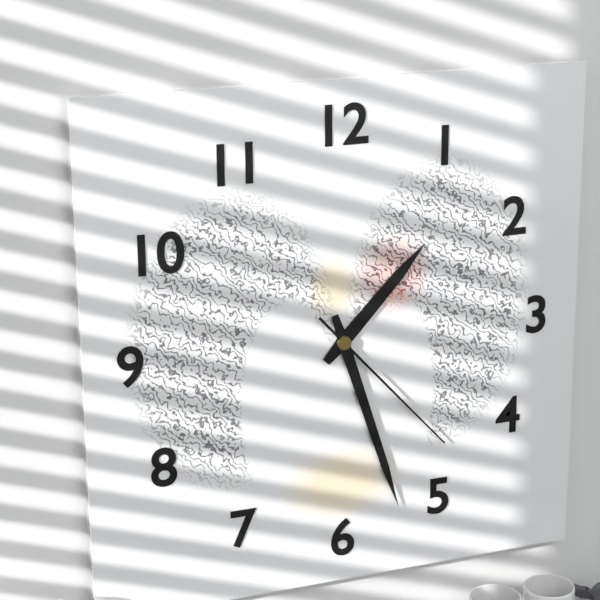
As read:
1.27.23
